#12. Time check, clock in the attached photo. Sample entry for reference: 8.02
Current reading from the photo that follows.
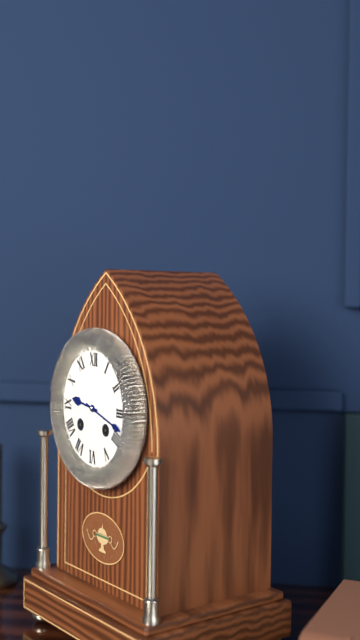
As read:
9.18
